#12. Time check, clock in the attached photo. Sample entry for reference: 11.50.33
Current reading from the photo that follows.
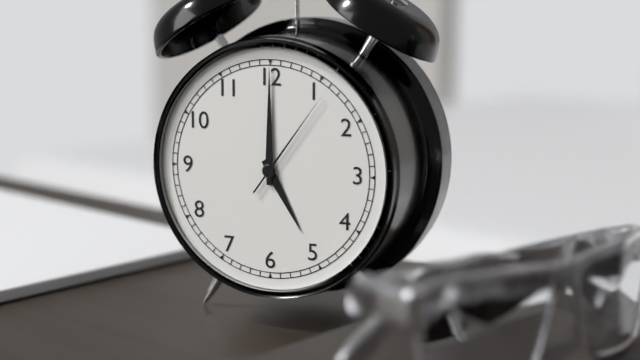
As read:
5.00.06
